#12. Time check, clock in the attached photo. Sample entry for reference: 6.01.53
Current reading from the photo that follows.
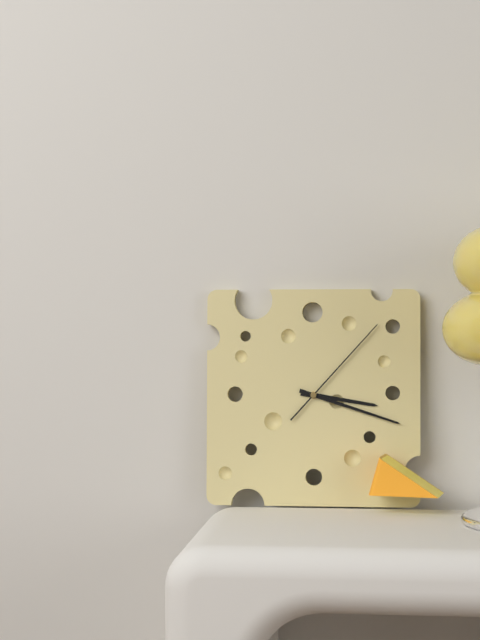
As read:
3.18.07
